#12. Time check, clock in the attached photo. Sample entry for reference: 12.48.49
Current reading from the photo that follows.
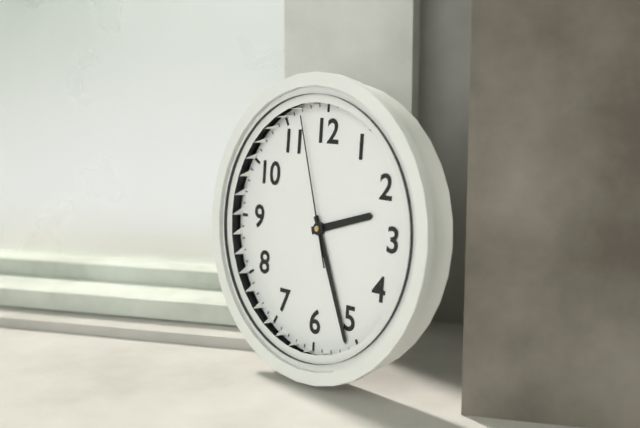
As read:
2.26.57
